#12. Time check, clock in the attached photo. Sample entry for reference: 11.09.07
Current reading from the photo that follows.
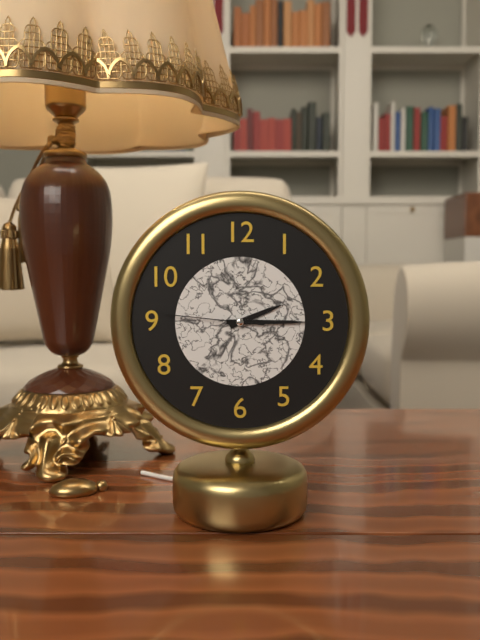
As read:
2.15.46
